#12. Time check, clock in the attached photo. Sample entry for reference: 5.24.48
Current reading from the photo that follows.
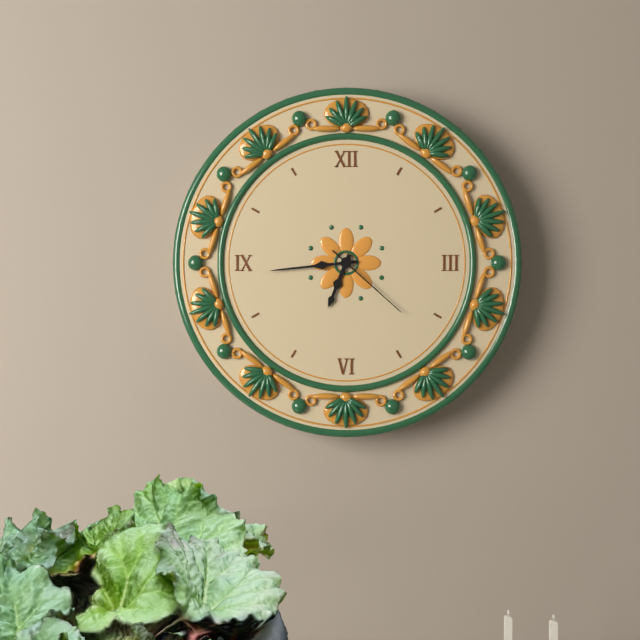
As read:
6.44.22
